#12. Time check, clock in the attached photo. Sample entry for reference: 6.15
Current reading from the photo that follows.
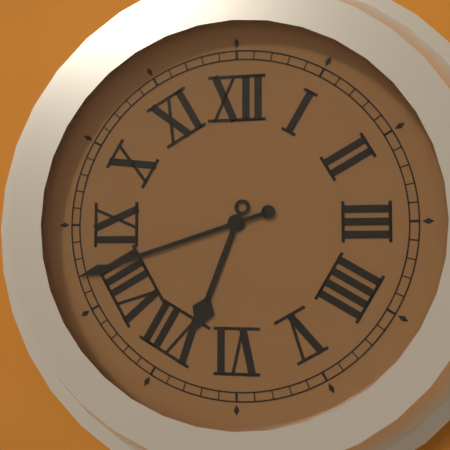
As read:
6.42
